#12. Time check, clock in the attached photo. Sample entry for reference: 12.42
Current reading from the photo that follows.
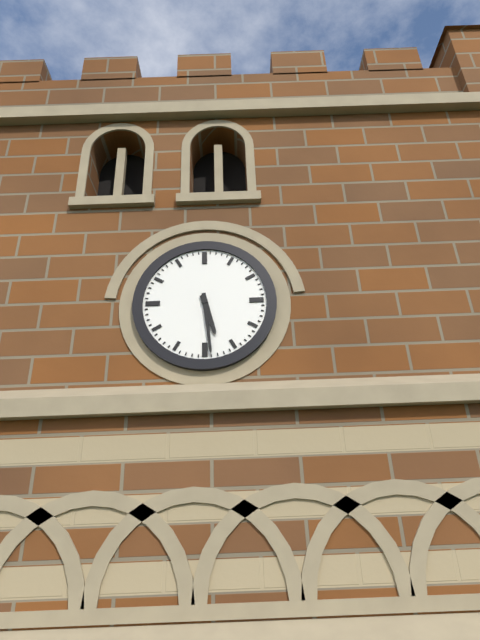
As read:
5.29
